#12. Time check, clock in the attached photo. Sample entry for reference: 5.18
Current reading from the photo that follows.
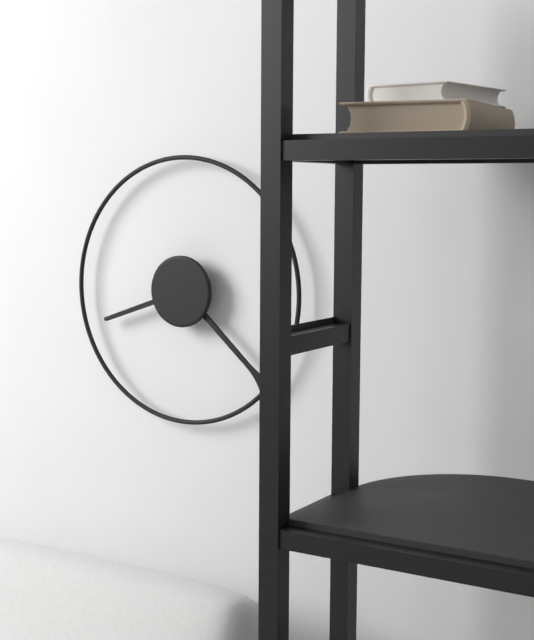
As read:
8.22
